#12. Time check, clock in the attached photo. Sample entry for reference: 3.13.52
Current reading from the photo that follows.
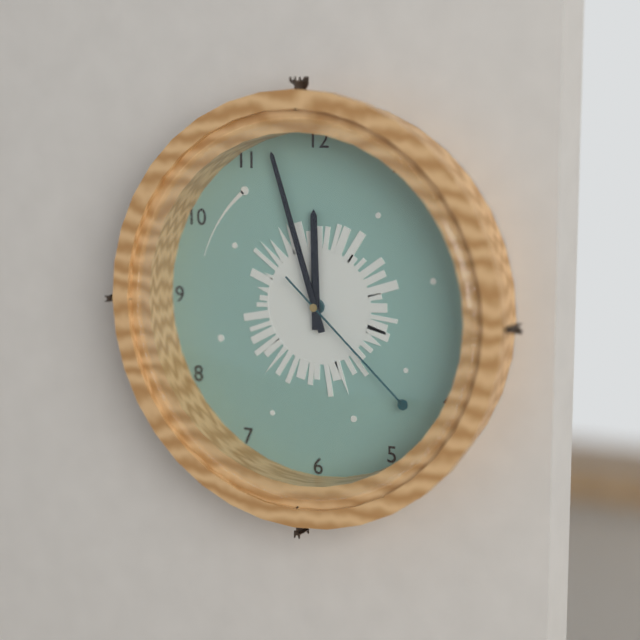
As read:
11.57.22
